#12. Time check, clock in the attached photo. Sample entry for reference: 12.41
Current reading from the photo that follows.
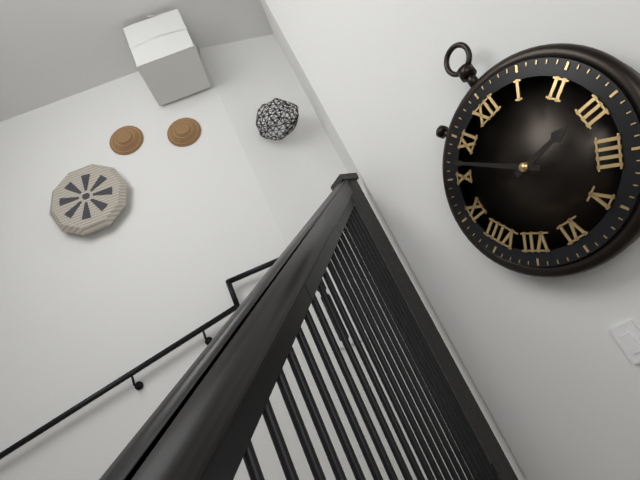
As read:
2.52
